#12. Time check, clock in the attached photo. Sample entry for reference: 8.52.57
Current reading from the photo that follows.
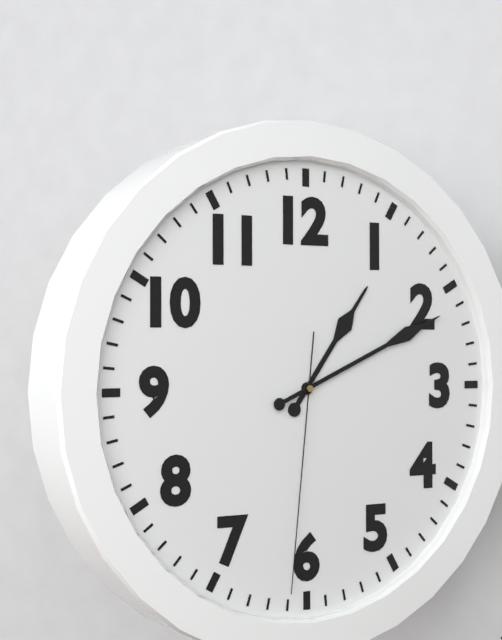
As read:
1.11.31
